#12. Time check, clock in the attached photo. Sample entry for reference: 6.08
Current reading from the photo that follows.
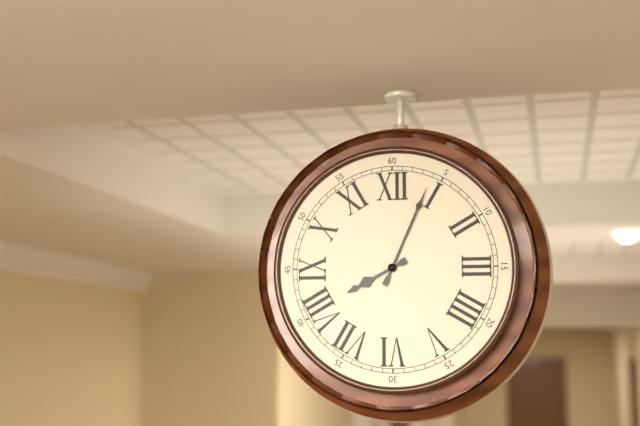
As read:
8.04
